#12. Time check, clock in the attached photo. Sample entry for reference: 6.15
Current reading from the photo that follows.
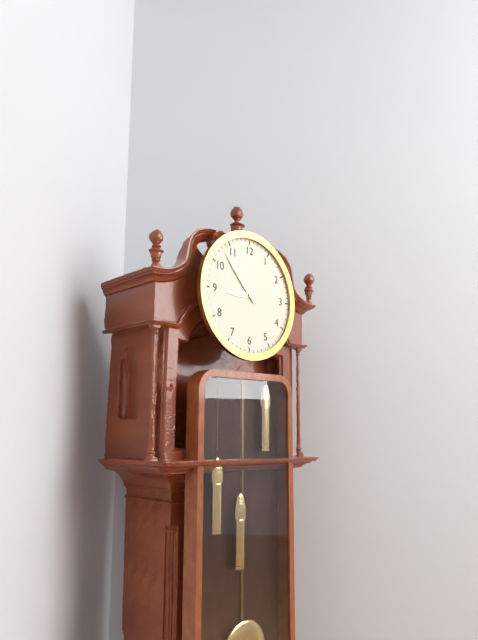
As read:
8.53
